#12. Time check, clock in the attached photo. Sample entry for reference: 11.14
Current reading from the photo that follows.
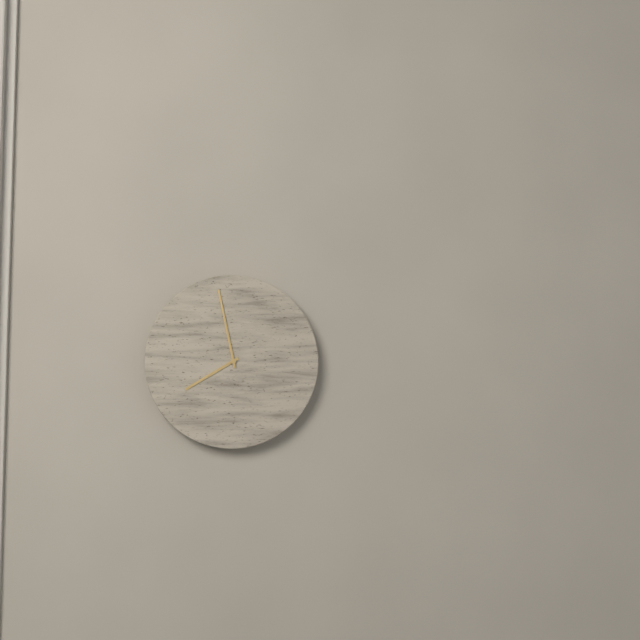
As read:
7.58
